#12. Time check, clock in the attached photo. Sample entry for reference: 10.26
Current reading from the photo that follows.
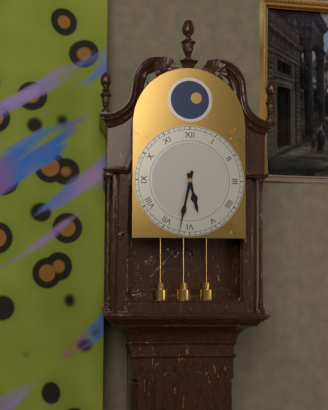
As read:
5.32
